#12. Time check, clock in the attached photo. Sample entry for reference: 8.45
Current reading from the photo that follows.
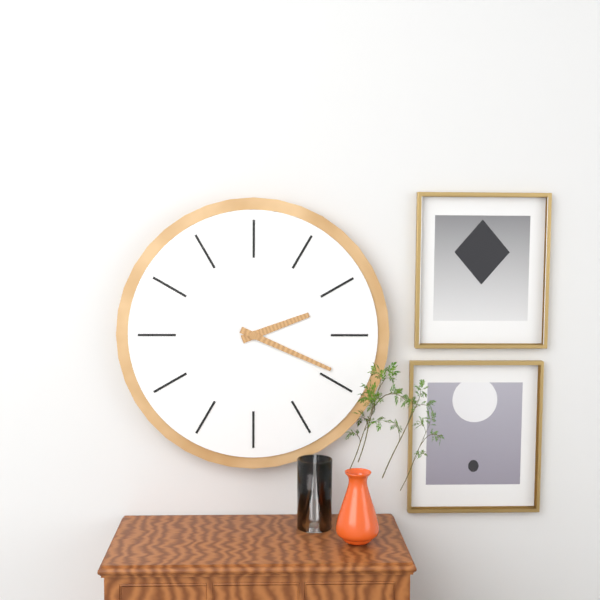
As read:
2.19
